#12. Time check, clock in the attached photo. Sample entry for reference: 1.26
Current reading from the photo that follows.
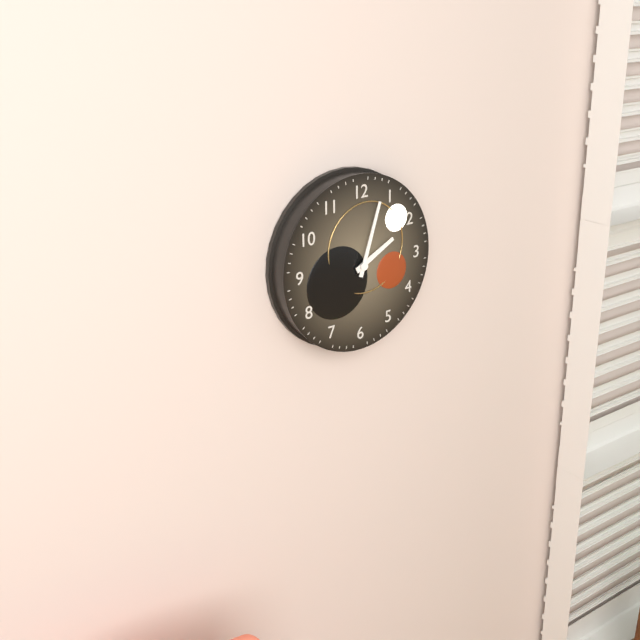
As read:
2.03
